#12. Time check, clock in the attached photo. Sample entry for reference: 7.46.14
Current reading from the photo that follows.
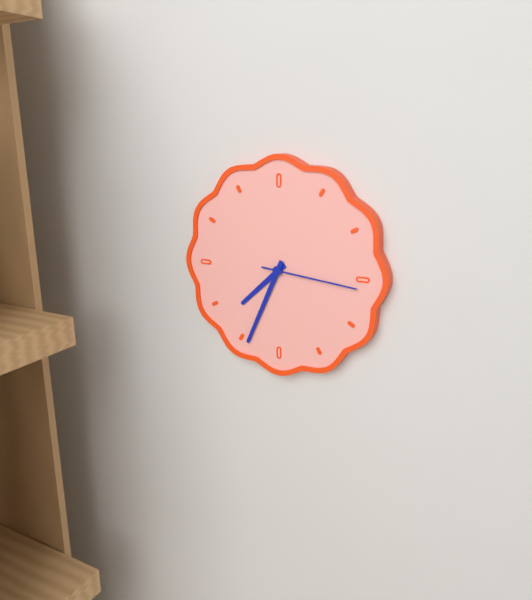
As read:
7.34.16
